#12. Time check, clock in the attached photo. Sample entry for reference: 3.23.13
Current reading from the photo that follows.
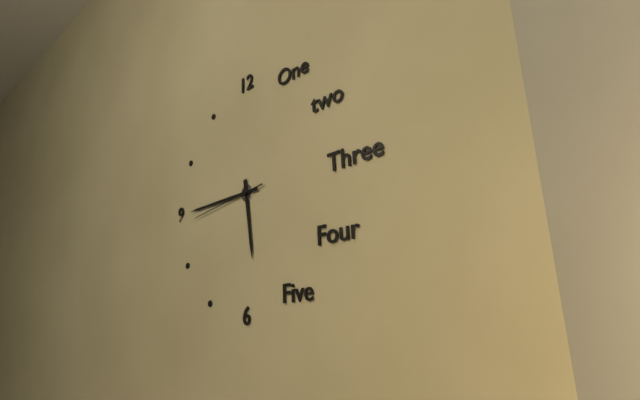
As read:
5.45.44
